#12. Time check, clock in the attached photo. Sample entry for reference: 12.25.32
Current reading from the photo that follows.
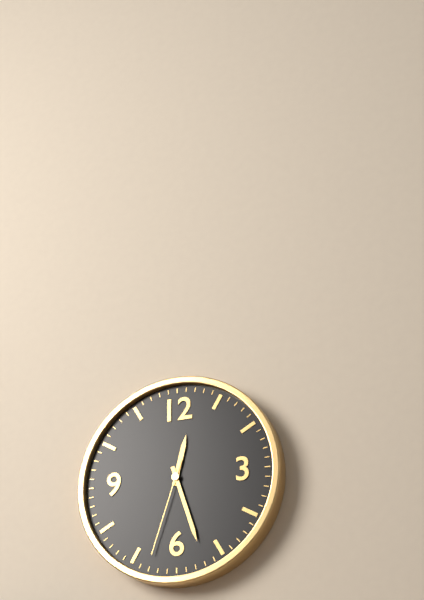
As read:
12.27.33
